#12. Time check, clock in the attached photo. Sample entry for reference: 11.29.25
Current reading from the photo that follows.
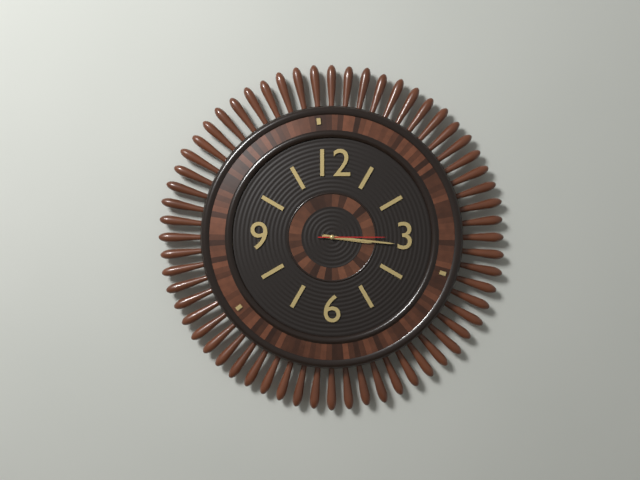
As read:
3.16.15
